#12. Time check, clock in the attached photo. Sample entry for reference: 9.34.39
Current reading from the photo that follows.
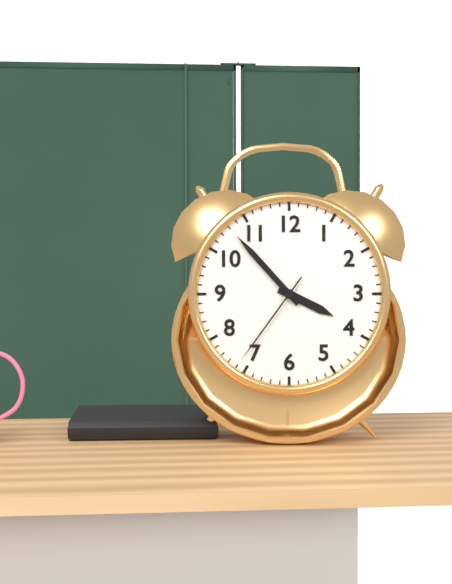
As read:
3.53.36
